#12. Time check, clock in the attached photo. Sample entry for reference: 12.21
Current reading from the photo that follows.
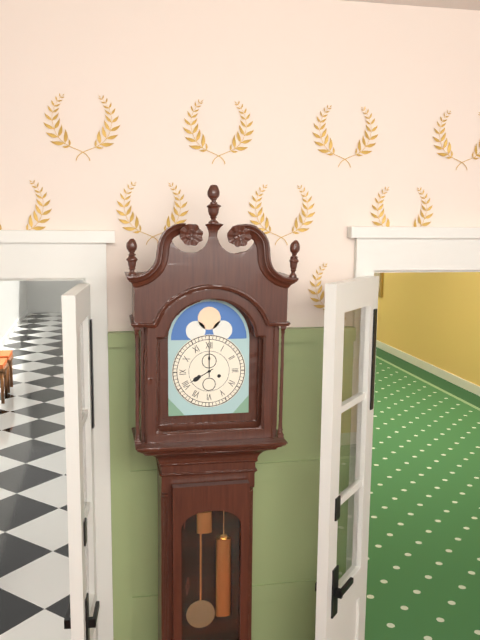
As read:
8.00
